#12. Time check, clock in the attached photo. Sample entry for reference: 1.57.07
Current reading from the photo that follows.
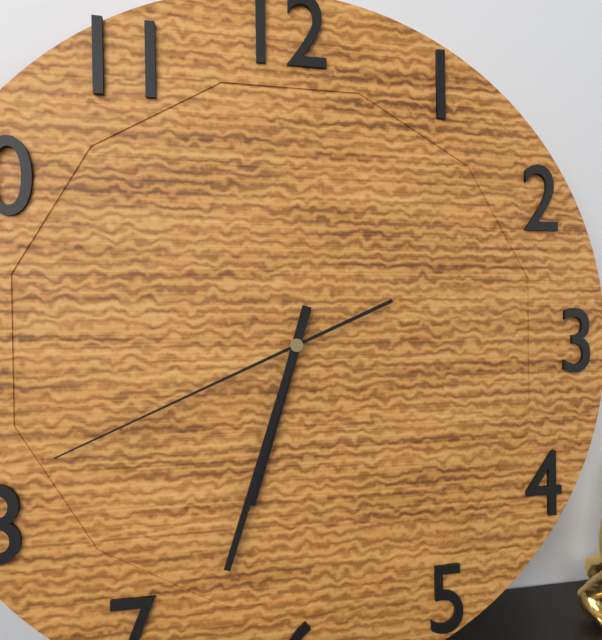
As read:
6.33.41
